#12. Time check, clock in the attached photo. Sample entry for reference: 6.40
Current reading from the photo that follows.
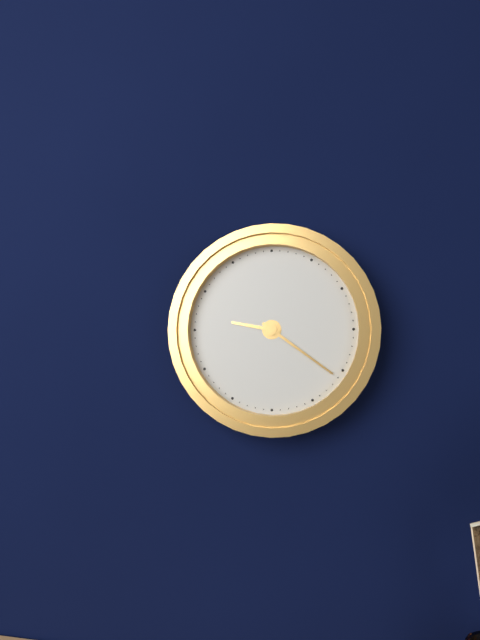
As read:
9.21
